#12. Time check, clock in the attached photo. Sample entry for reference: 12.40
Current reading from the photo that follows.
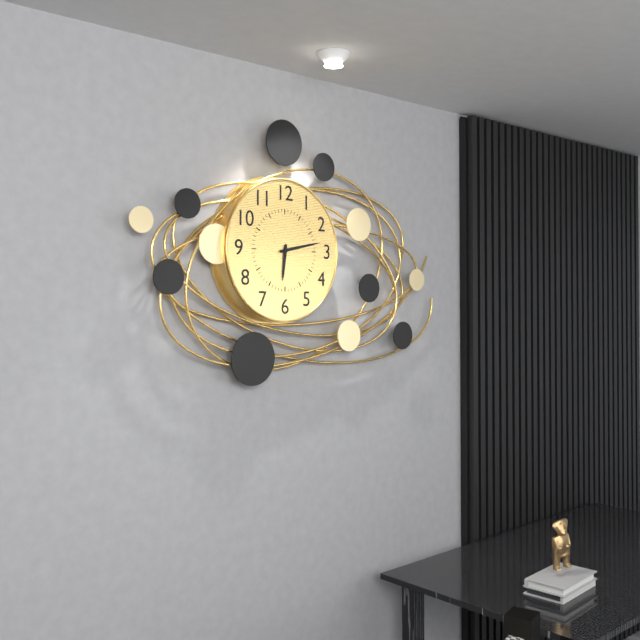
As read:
6.13
